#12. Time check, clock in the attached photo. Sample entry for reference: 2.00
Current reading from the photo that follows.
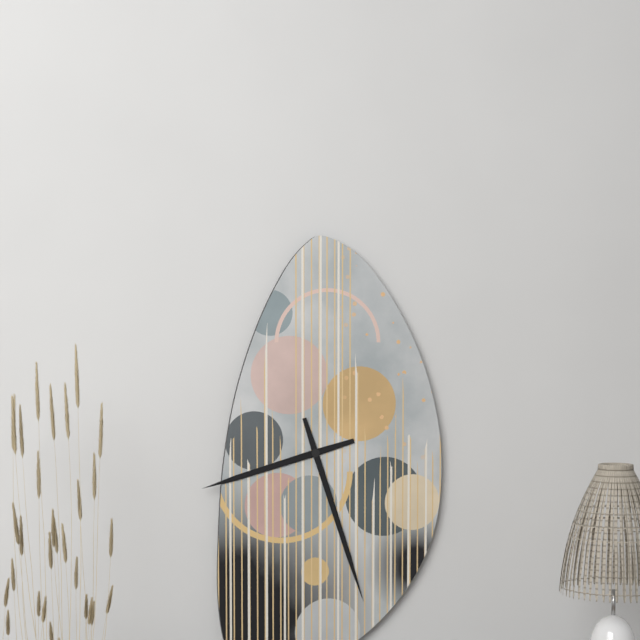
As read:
8.27
